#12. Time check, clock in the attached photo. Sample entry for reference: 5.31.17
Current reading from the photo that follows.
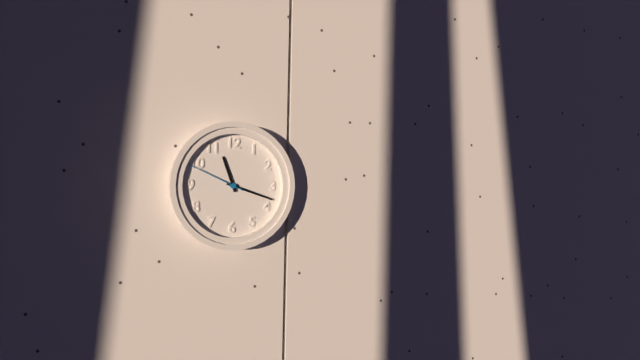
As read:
11.18.49
